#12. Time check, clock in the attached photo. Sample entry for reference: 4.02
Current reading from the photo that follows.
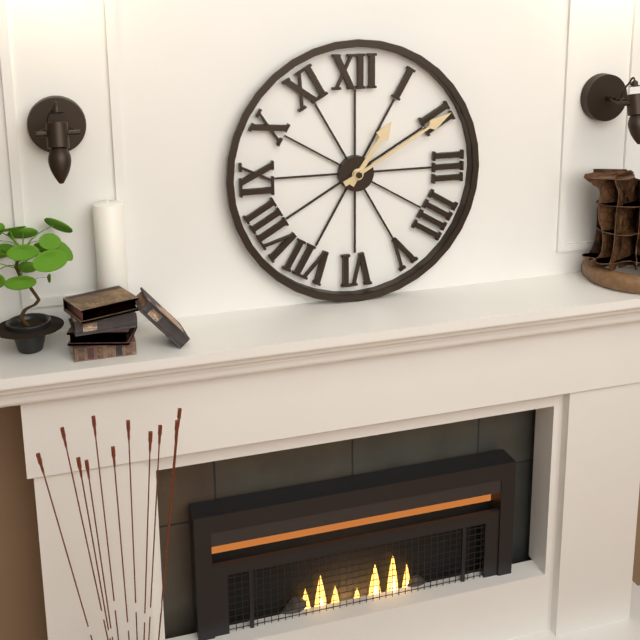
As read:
1.10
